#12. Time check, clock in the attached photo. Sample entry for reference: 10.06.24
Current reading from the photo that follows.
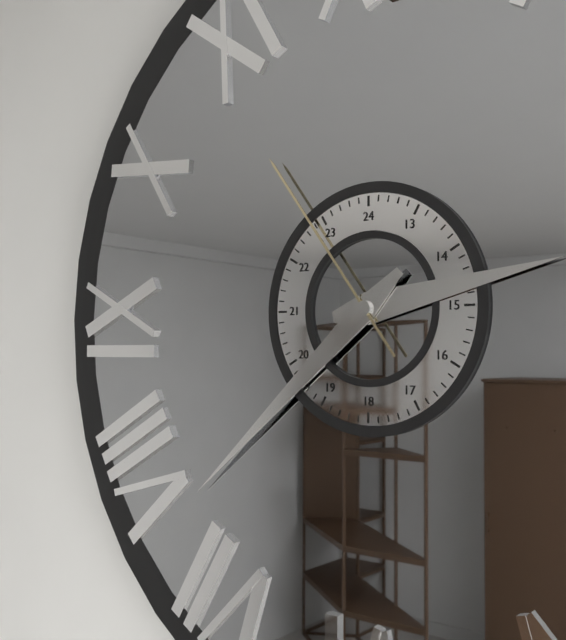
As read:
2.38.54
